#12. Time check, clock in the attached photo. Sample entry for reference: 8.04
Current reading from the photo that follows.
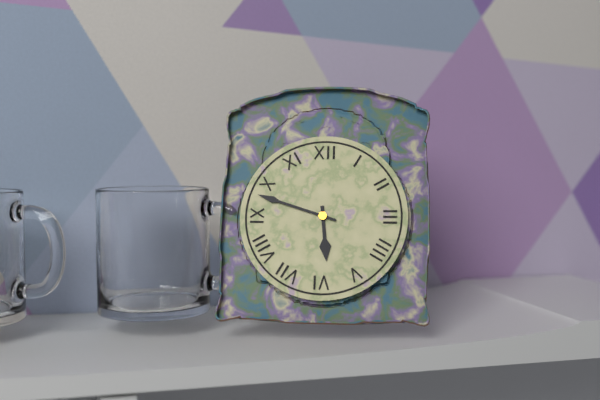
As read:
5.48
